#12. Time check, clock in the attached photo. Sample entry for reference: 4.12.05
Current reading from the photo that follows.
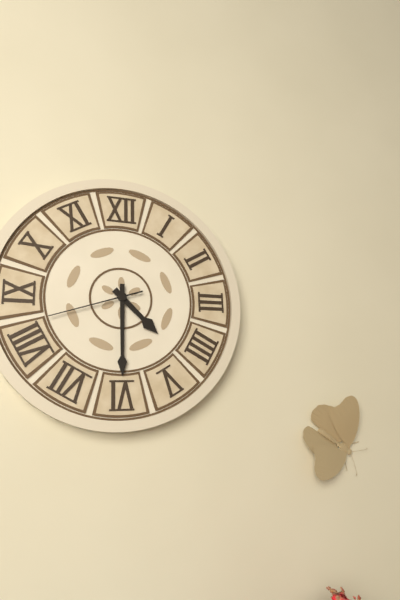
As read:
4.30.42
